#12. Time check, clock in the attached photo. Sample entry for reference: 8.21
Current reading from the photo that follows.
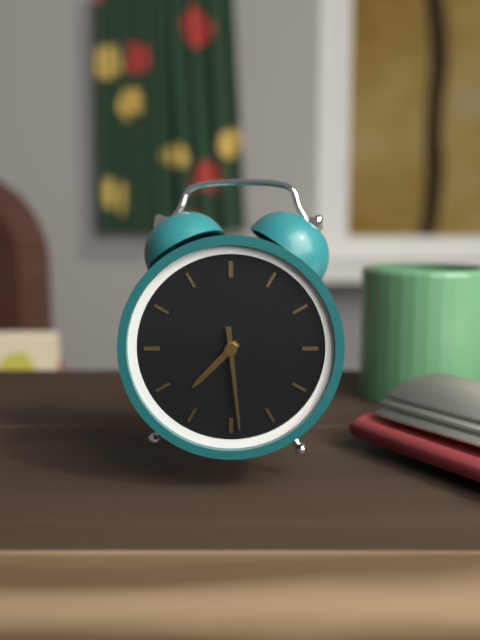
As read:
7.29
